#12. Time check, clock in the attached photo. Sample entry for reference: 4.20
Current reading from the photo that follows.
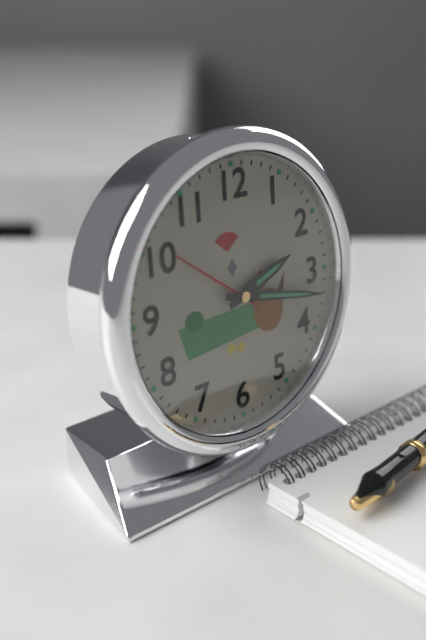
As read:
2.17
